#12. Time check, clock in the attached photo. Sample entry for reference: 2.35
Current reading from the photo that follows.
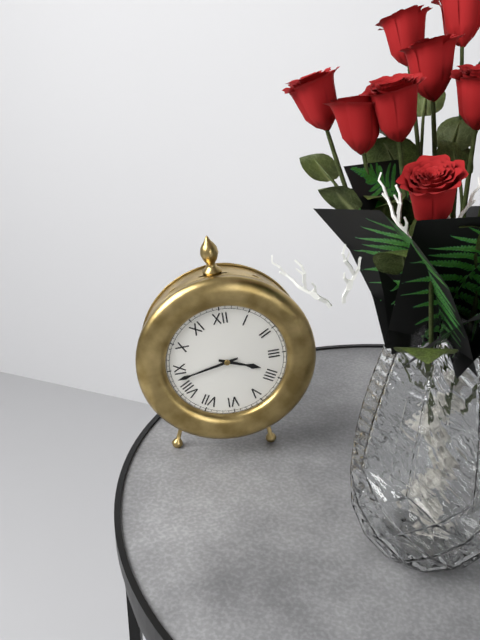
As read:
3.43
